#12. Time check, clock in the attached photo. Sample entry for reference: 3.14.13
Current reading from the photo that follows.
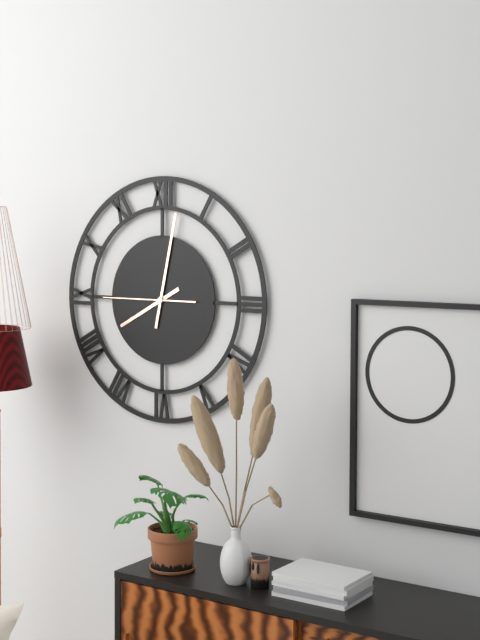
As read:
8.02.45
